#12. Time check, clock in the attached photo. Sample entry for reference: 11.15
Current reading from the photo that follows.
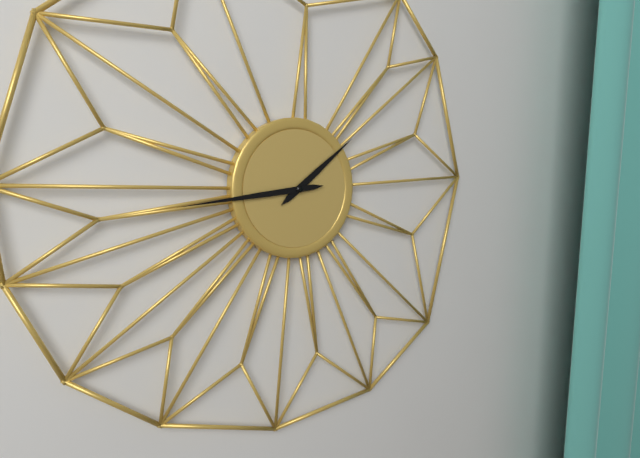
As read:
1.44
